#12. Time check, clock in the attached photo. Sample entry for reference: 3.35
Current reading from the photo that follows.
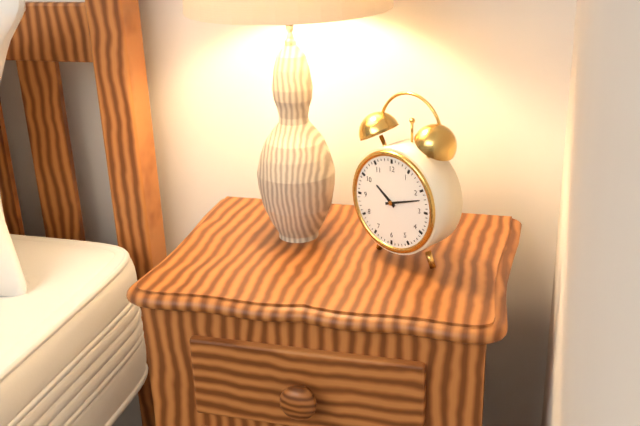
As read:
10.12
